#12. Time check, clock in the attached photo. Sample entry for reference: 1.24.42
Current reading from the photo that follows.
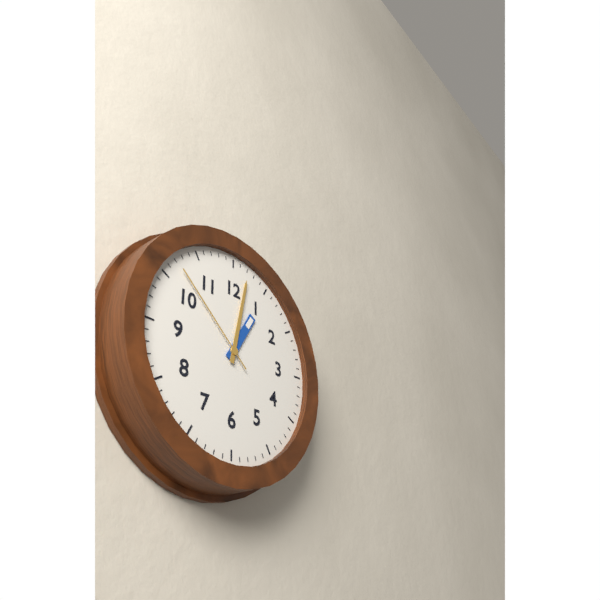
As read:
1.02.52
